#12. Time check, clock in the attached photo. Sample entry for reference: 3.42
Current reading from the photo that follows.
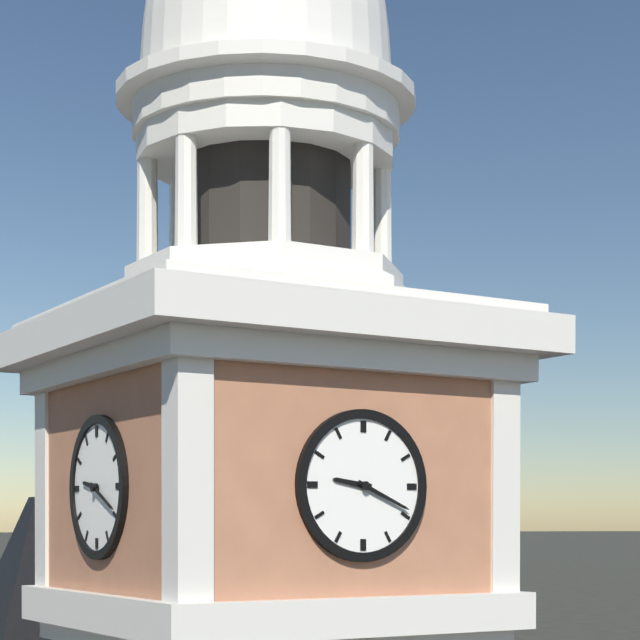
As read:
9.19
